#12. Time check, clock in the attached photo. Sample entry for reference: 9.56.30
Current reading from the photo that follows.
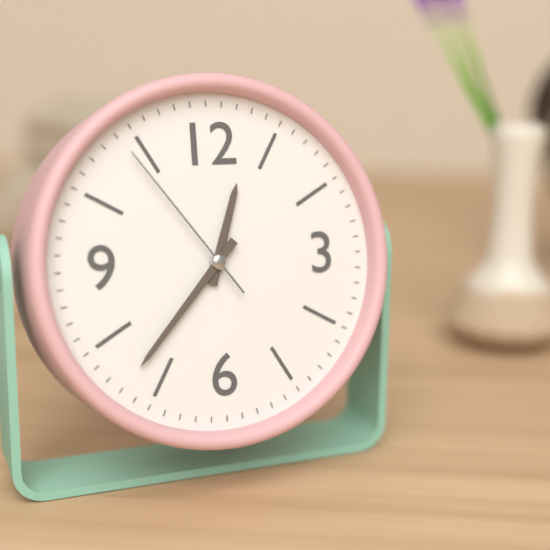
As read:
12.37.54
